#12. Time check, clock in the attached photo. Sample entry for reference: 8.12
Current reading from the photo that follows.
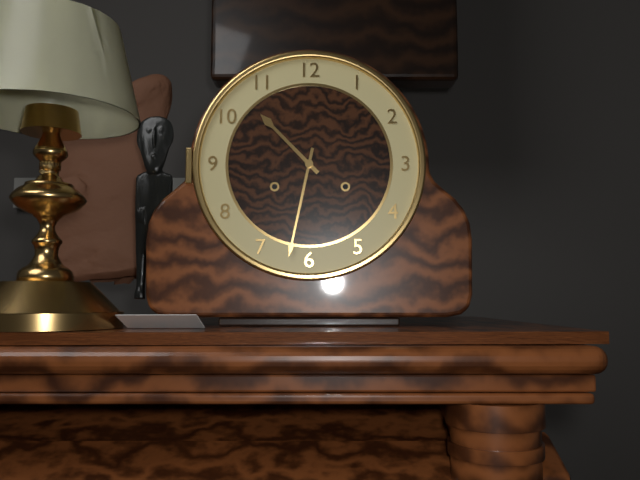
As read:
10.32
